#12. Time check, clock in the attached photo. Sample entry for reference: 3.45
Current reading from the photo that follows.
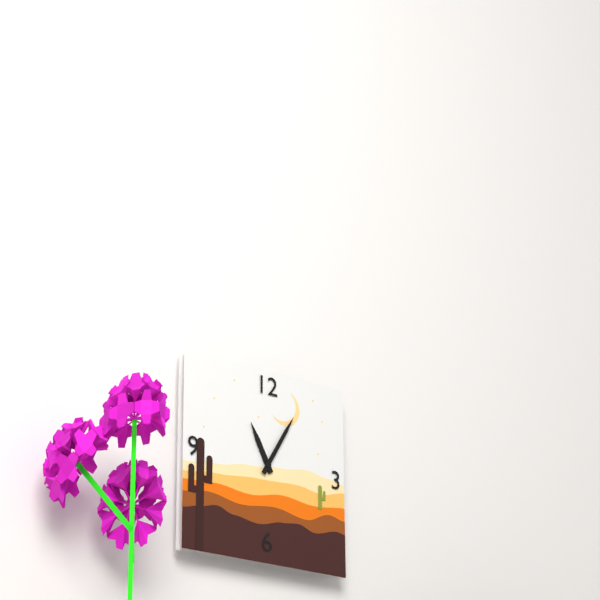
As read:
11.05
